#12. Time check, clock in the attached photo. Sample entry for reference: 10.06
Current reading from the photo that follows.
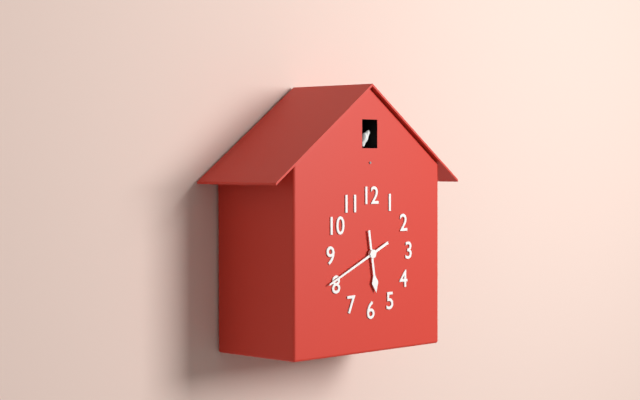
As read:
5.41
